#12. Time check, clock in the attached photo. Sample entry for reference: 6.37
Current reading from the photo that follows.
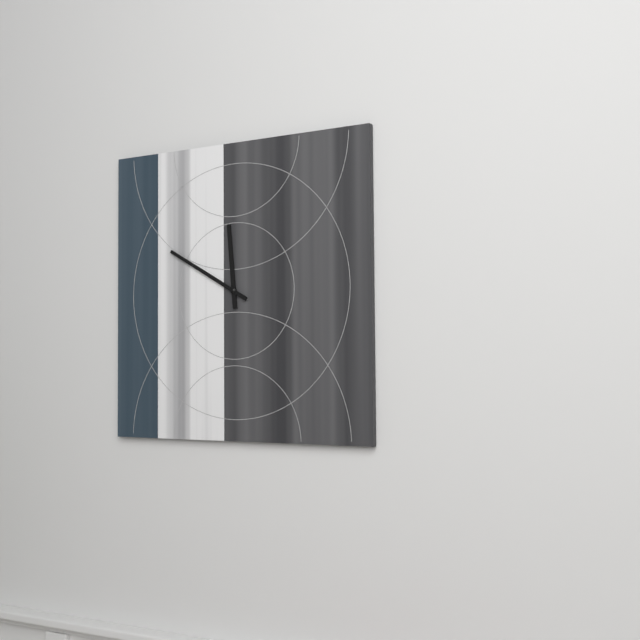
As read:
11.50
